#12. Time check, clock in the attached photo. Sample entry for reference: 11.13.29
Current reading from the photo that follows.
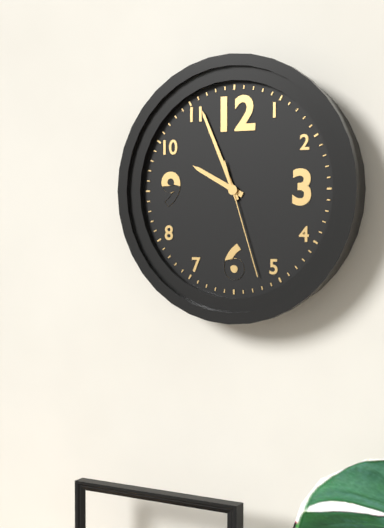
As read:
9.56.27
